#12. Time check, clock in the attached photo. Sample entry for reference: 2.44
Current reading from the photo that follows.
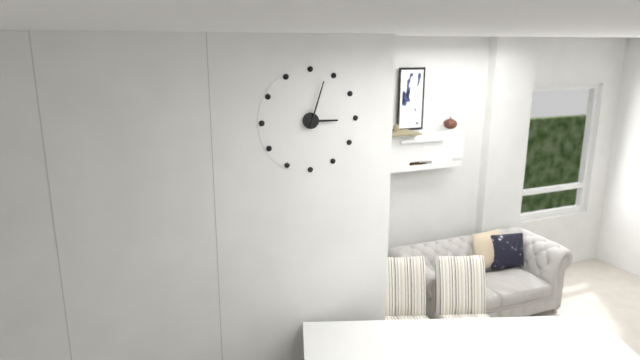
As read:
3.03
